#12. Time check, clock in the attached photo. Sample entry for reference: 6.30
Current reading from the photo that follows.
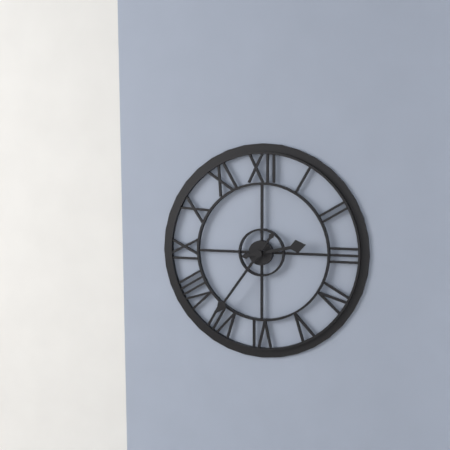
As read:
2.36
